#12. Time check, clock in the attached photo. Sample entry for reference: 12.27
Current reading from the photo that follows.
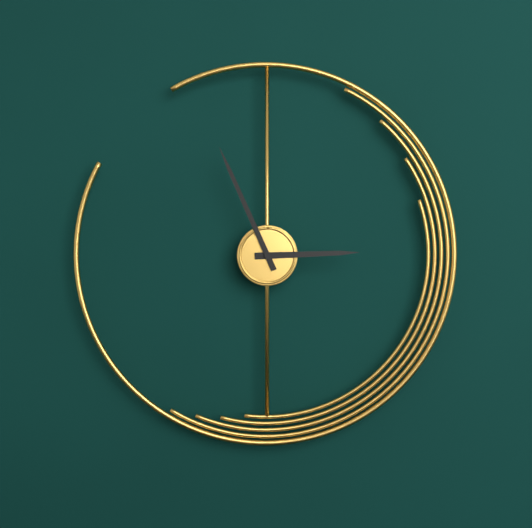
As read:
2.56
